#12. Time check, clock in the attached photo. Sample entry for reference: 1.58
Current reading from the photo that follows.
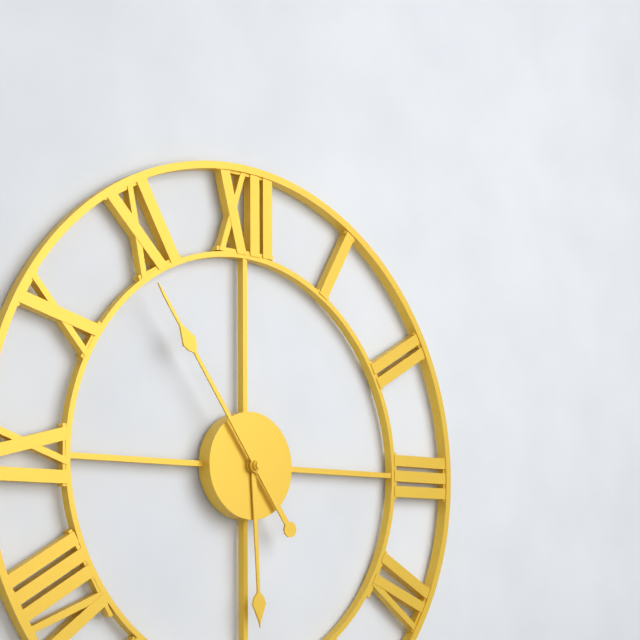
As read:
5.54
